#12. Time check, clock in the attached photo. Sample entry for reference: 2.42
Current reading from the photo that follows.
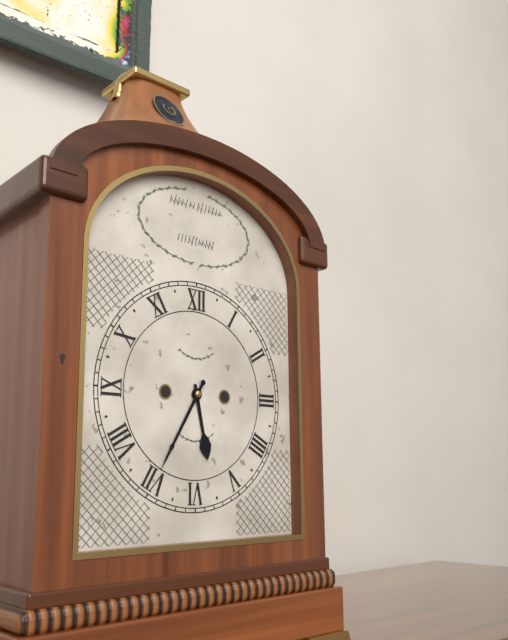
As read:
5.35
